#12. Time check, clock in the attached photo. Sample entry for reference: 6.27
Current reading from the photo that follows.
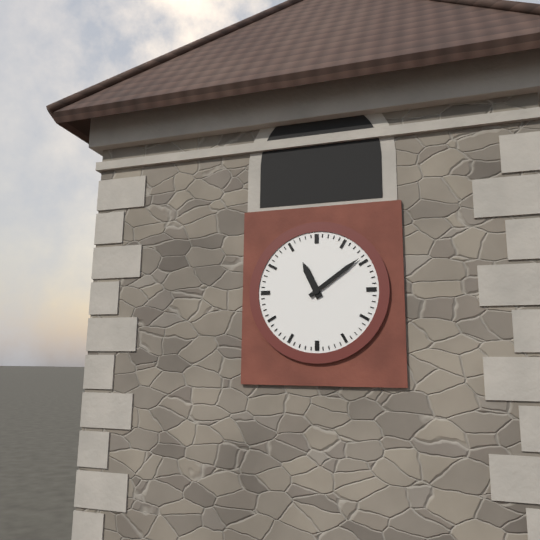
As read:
11.09
